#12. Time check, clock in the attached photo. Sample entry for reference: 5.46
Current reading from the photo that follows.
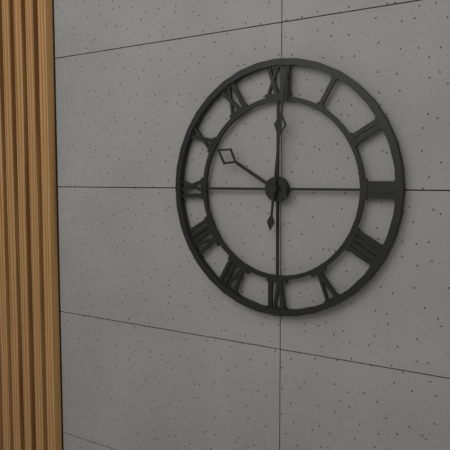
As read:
10.01
